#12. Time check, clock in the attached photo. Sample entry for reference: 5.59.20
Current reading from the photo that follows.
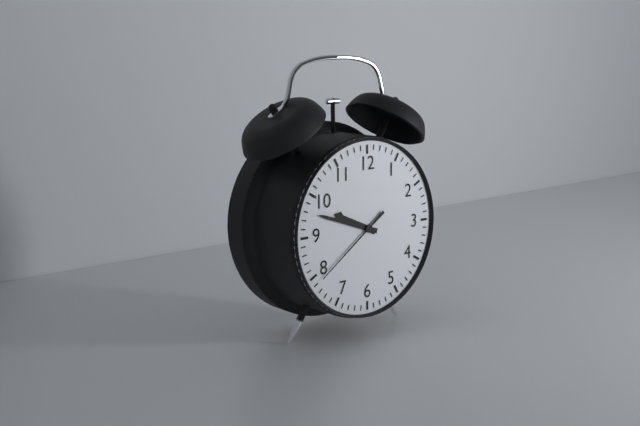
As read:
9.48.39
